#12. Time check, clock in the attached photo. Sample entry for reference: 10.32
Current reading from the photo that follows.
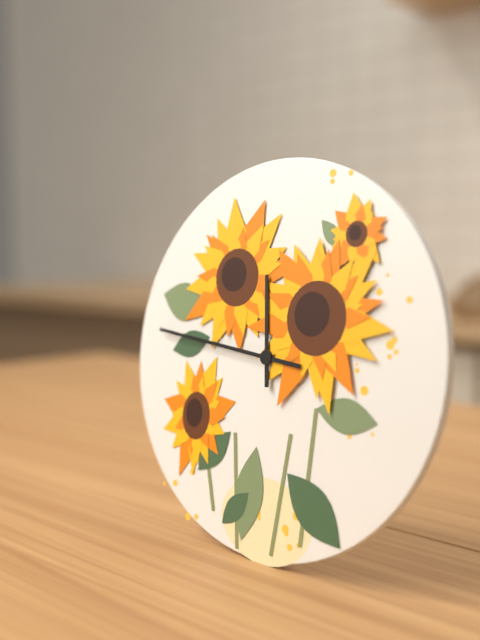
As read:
11.46
